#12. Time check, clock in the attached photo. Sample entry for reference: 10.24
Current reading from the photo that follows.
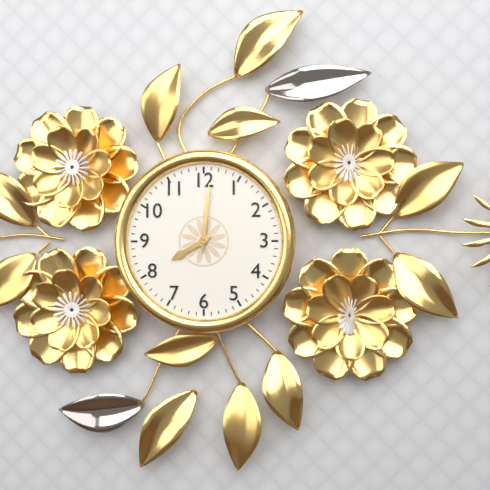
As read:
8.01
